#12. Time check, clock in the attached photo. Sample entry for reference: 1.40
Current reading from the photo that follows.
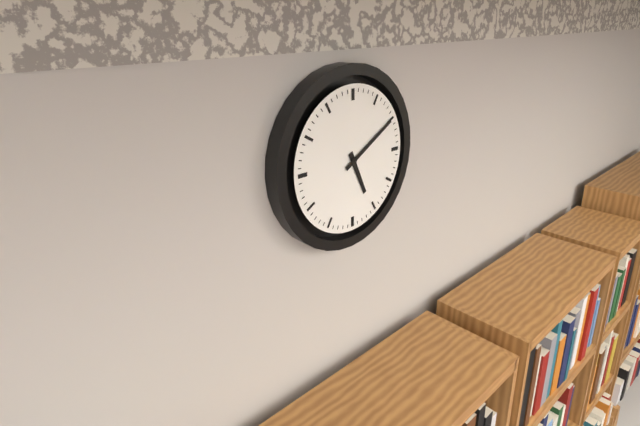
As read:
5.10
